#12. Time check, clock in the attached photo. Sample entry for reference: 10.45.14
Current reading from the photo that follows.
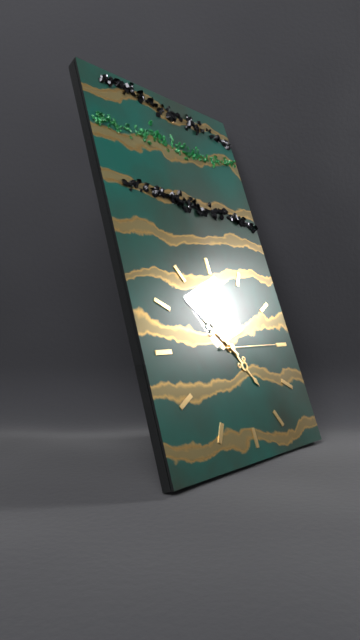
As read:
4.53.15
